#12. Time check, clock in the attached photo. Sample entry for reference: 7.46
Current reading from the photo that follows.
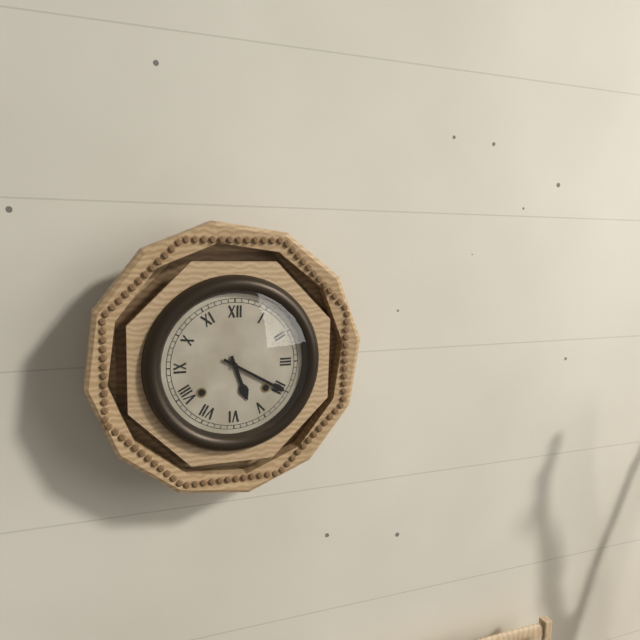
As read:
5.20
